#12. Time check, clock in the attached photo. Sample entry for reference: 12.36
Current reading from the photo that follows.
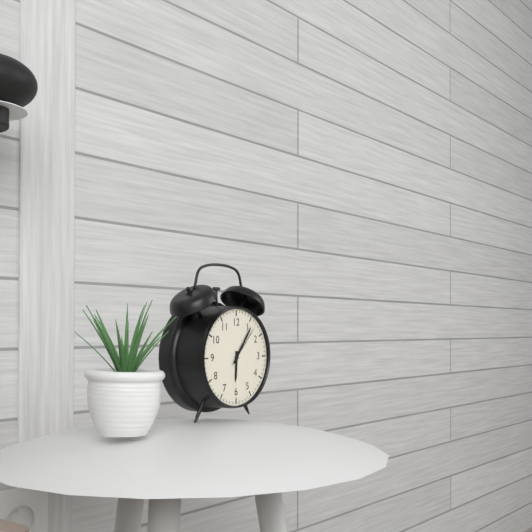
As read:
6.06
